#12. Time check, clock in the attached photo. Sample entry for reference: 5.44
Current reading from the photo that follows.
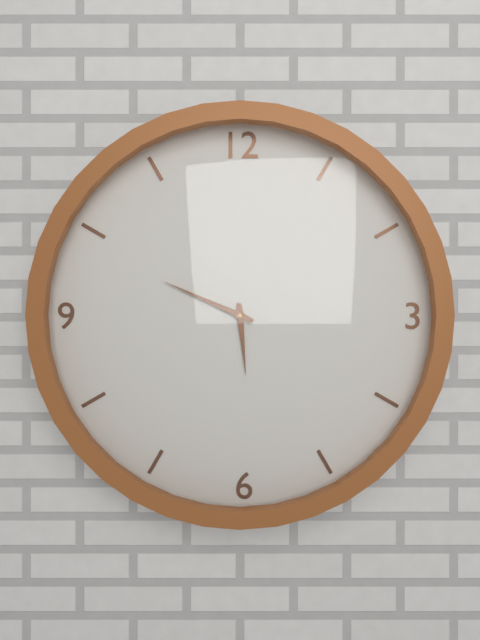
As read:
5.49
